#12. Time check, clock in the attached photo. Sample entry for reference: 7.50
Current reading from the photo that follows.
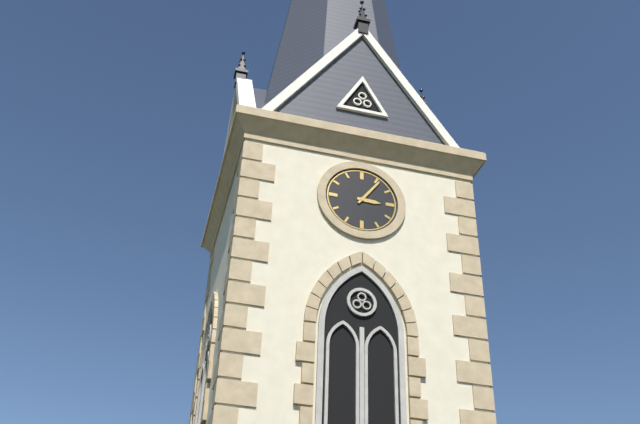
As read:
3.06
